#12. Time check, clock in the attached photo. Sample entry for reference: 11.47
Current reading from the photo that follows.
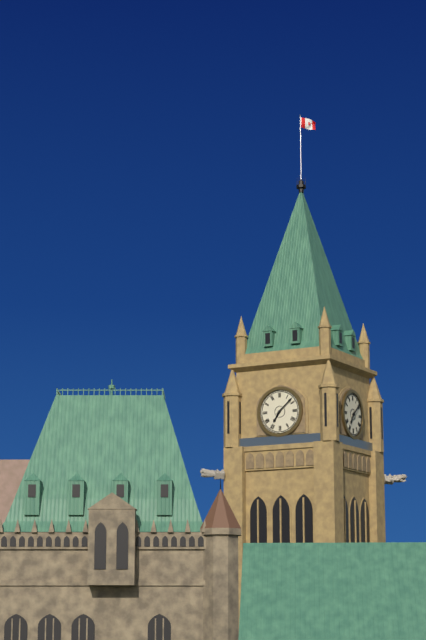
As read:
7.08
